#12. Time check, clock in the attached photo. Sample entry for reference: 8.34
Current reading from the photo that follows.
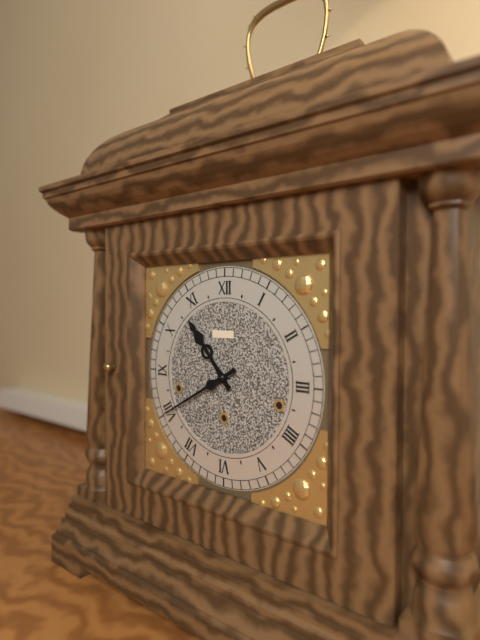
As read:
10.40
